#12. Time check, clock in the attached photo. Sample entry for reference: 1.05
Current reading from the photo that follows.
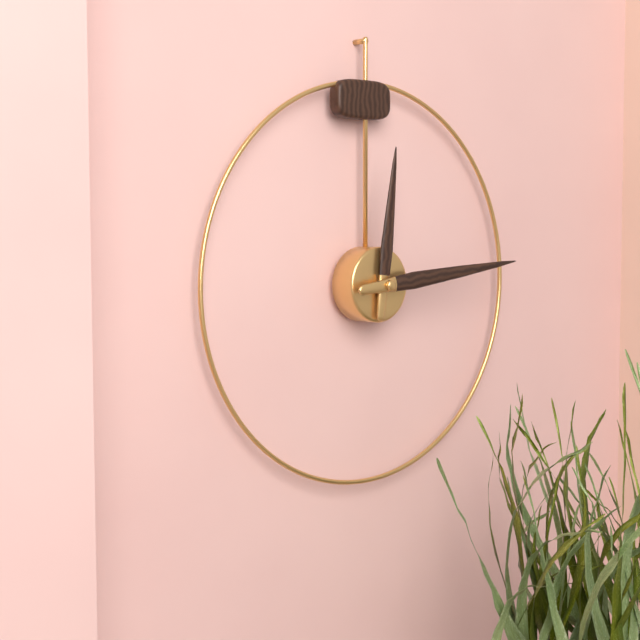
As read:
12.14
